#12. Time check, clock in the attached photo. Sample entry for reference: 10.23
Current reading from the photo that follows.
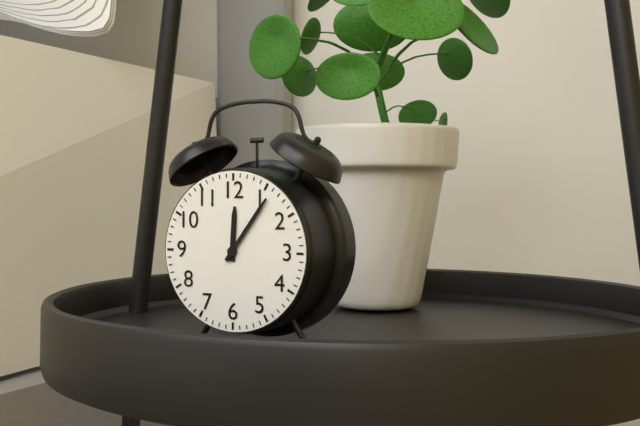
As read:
12.06
